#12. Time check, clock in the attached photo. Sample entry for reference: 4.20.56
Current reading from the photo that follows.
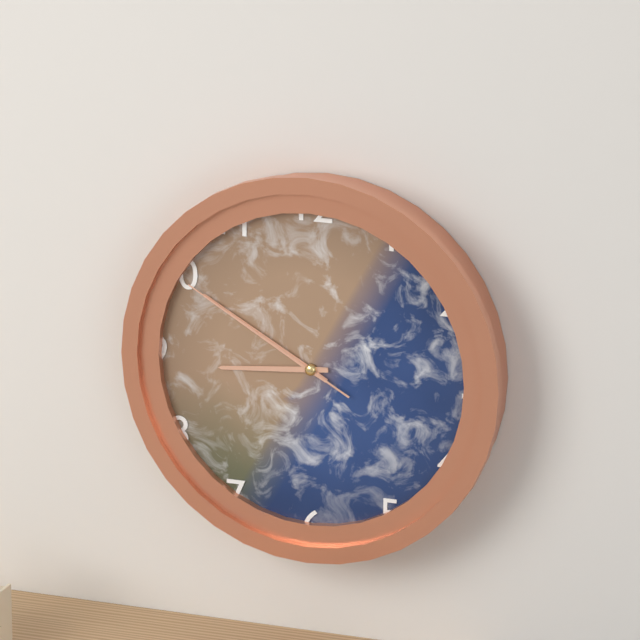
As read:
8.50.50
